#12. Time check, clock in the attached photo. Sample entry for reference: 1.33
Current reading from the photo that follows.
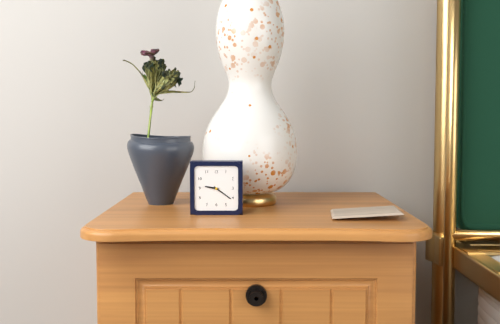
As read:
9.21
